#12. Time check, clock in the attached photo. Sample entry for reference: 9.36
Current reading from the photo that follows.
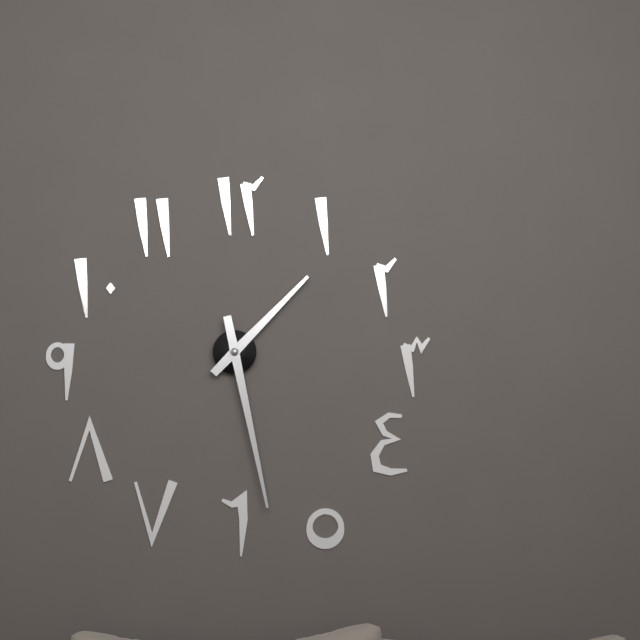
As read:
1.28
